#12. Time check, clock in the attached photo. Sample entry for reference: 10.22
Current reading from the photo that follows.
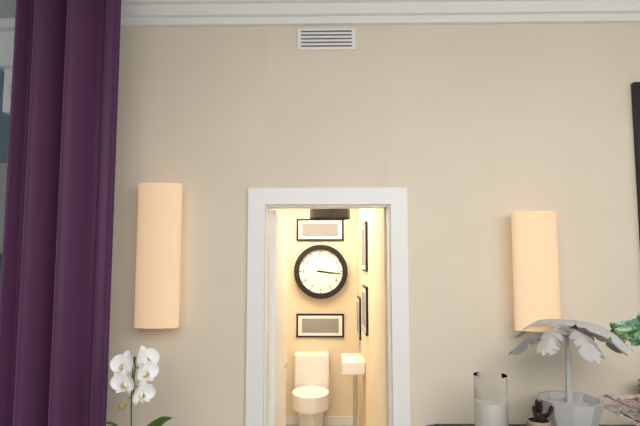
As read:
3.16
